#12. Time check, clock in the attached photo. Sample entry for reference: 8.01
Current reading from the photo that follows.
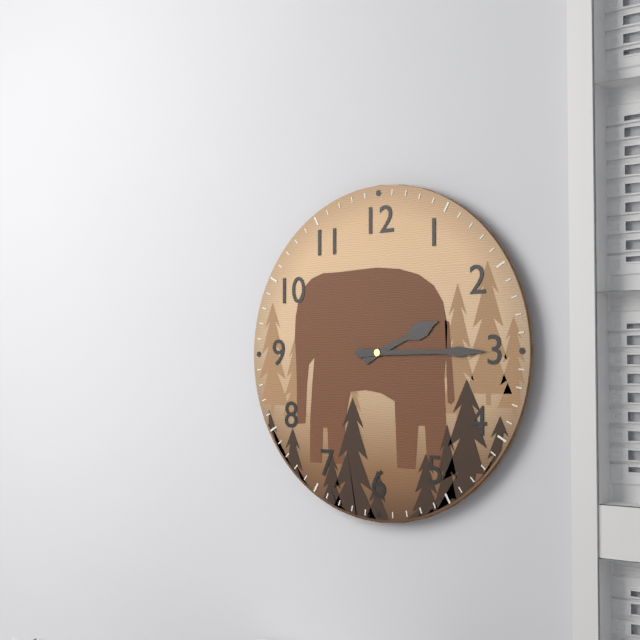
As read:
2.15
